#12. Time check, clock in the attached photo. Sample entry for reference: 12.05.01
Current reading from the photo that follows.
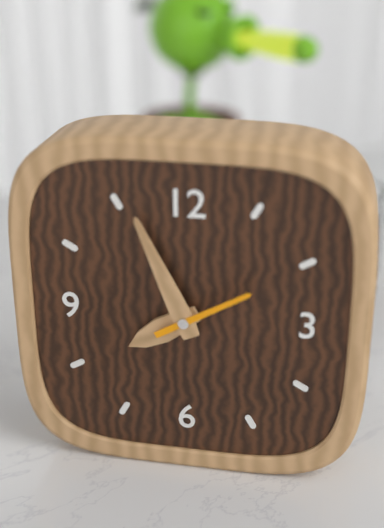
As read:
7.56.10
